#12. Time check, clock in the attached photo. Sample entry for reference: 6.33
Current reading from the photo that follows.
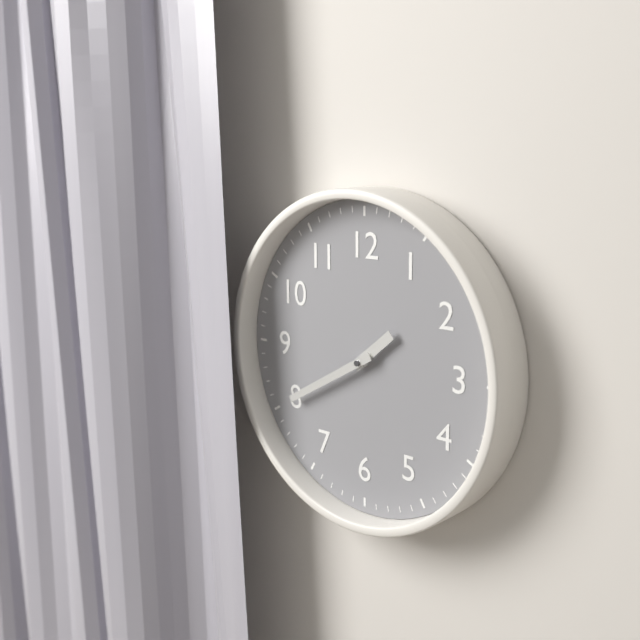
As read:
1.40
